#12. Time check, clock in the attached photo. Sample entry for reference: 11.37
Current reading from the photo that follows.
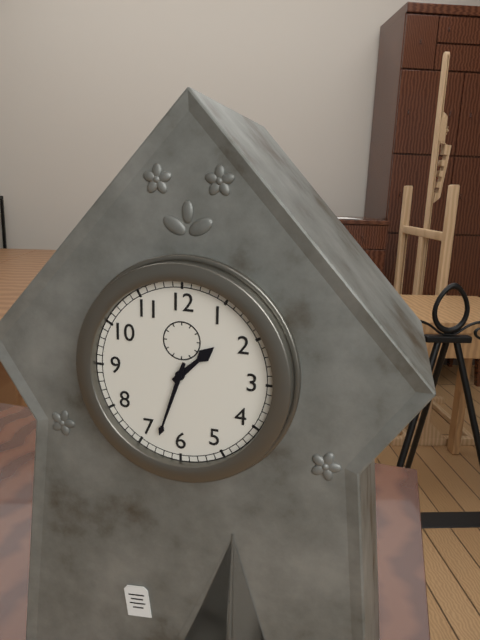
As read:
1.33
